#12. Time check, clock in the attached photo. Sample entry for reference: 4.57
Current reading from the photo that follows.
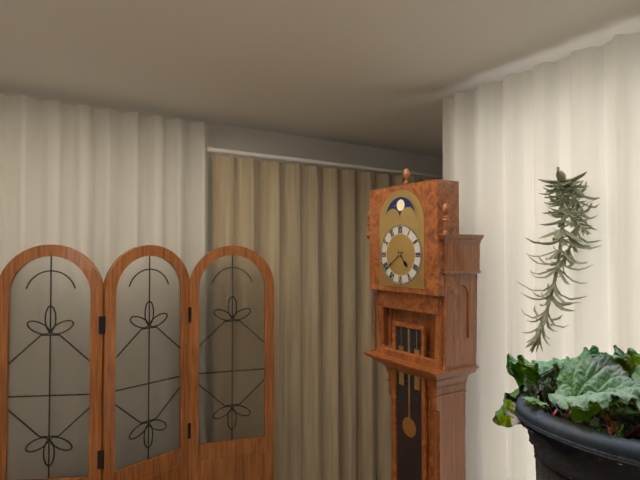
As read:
4.39
